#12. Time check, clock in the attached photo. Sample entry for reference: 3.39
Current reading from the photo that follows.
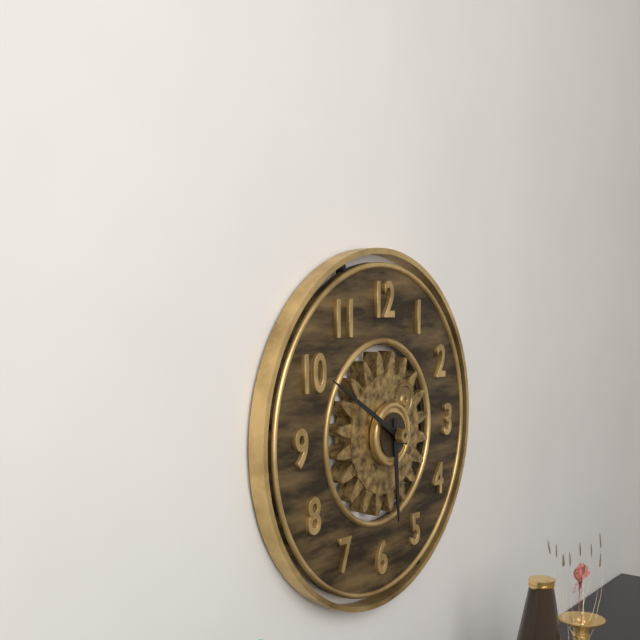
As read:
5.50
